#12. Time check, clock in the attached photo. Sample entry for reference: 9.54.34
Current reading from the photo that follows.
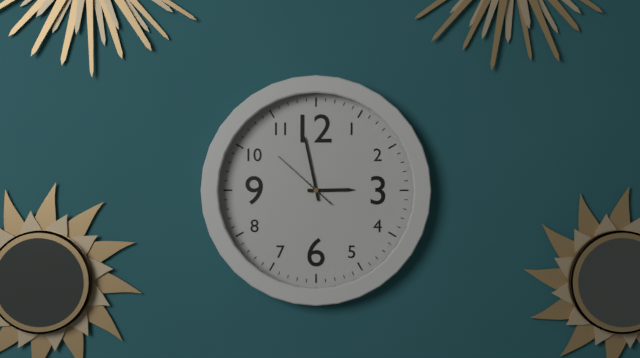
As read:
2.58.52
